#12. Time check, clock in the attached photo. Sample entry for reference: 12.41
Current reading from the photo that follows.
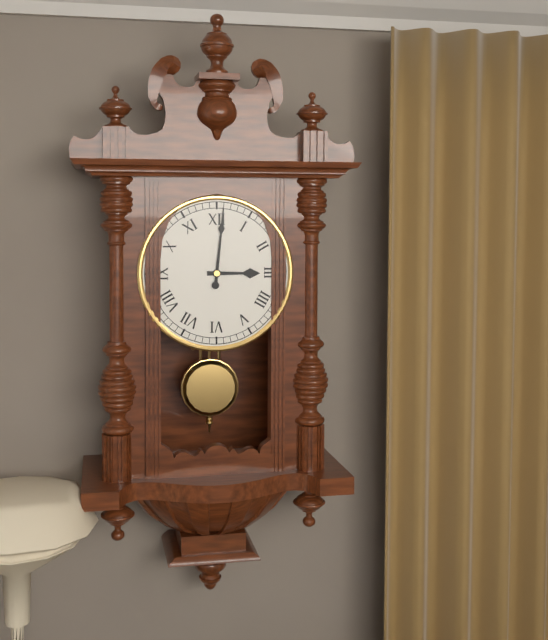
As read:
3.01
